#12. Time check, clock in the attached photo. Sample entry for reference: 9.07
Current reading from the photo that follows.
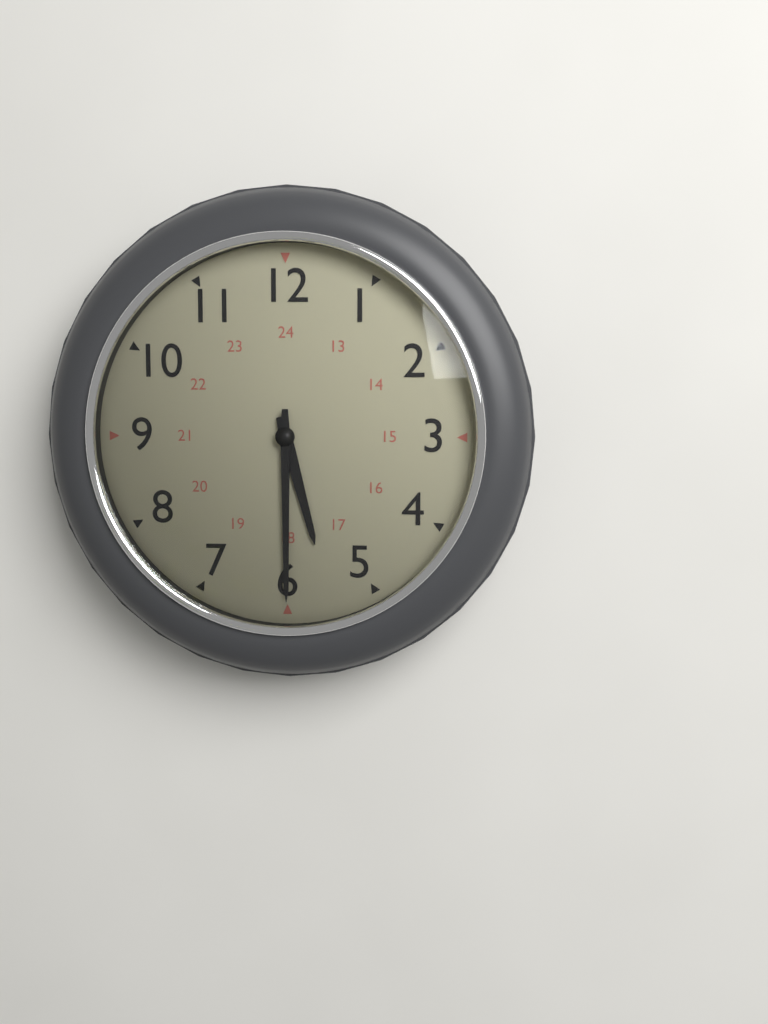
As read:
5.30
